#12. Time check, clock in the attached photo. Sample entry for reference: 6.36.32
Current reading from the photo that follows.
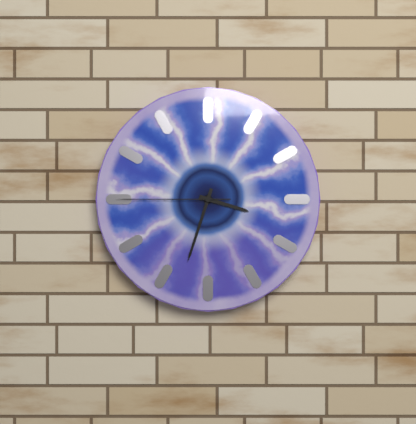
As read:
3.33.45
